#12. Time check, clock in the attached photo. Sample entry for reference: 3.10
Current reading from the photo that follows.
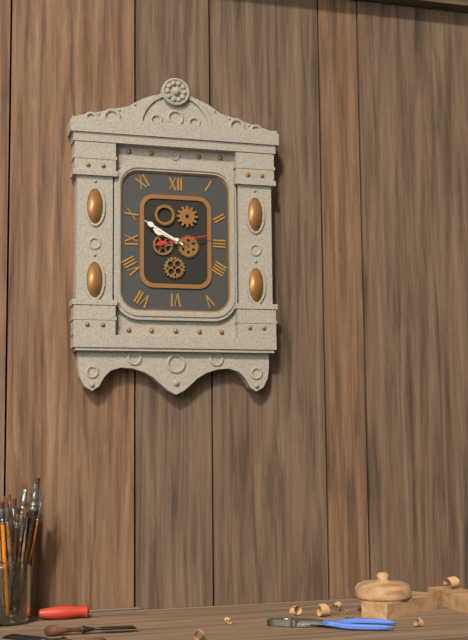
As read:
9.50
